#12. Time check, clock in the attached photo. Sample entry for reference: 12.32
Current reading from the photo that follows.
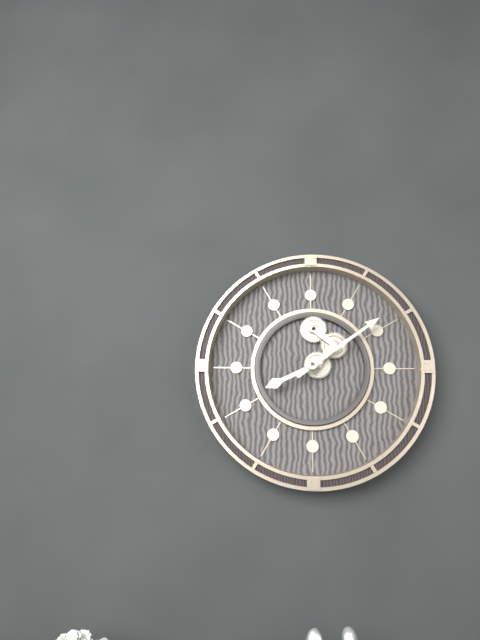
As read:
8.09
